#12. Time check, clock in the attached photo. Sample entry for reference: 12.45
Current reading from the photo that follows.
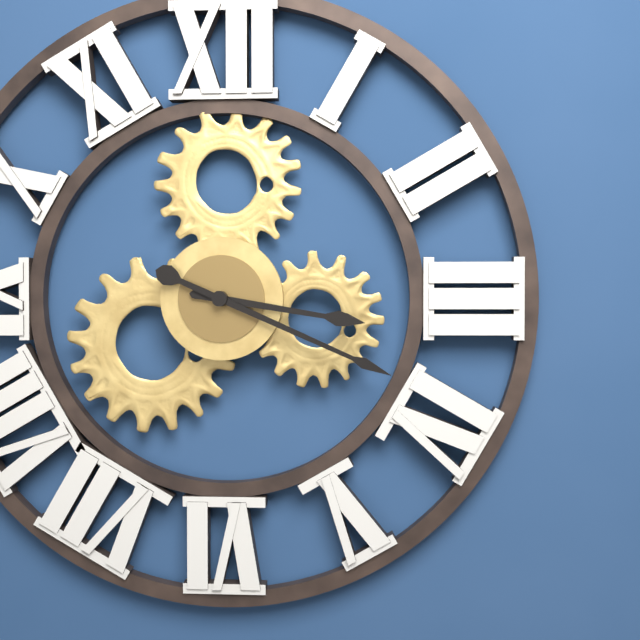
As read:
3.19
